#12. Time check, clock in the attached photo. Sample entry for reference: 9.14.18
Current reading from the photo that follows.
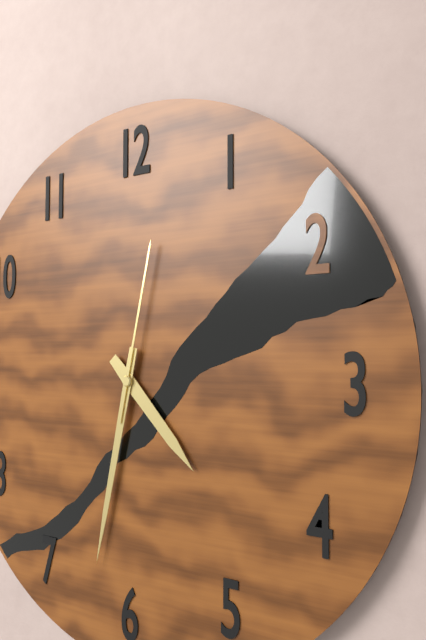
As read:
4.32.02
